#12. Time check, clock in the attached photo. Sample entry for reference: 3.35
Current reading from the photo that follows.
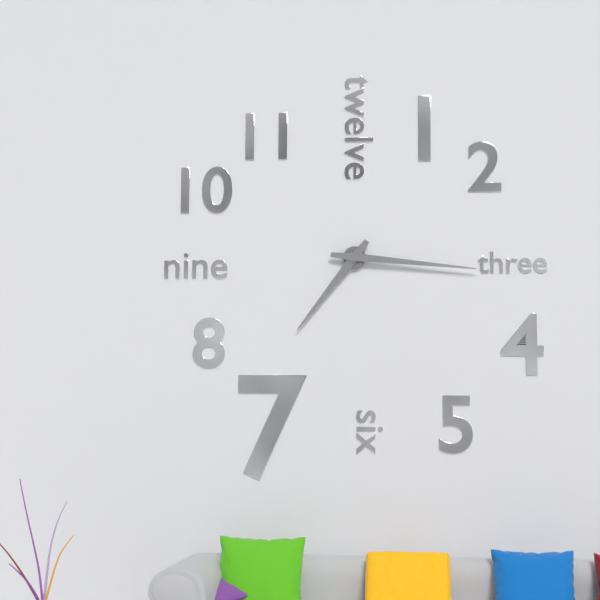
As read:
7.16
